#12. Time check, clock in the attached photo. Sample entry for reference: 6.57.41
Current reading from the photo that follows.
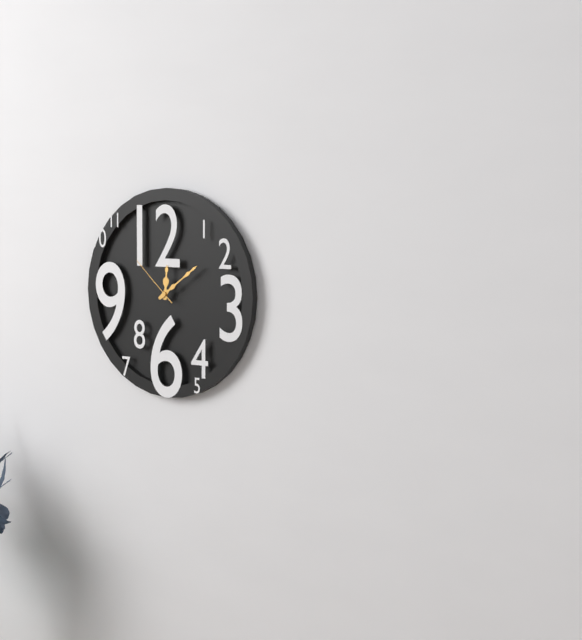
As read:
12.09.52
